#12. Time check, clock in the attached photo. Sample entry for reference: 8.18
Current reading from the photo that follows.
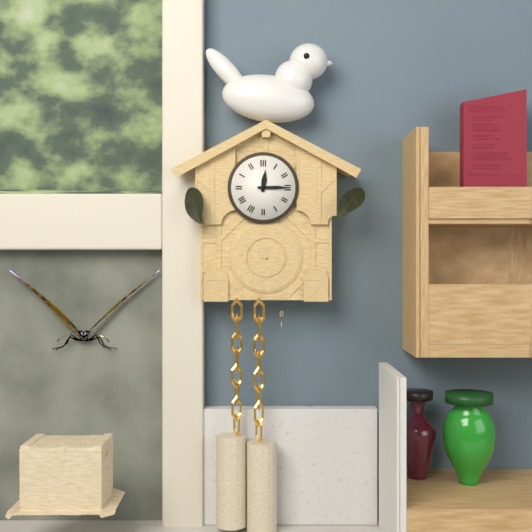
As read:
12.15
